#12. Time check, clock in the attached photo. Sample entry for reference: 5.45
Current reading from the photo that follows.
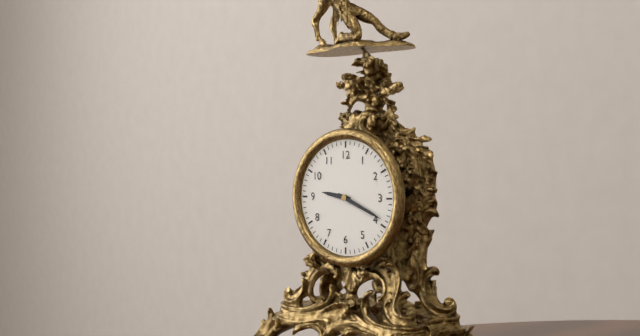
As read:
9.19
